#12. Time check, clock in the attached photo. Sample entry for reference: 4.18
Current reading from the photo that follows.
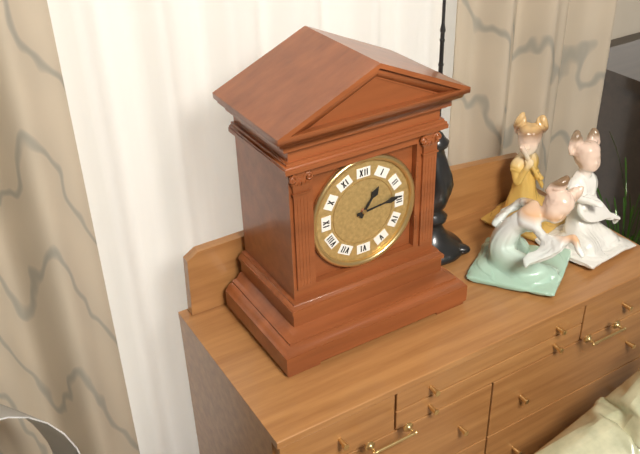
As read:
1.14
